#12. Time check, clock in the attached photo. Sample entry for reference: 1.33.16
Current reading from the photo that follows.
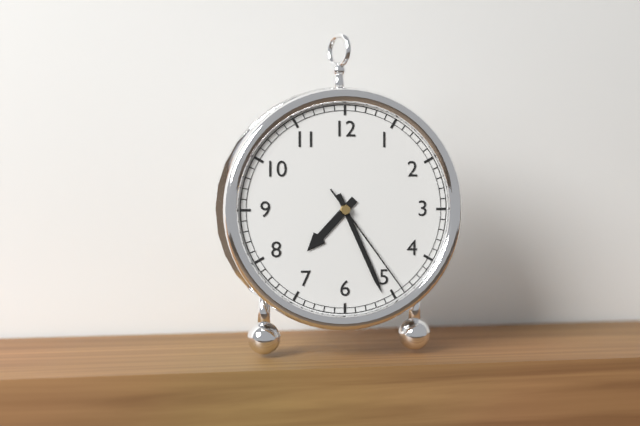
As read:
7.26.24
